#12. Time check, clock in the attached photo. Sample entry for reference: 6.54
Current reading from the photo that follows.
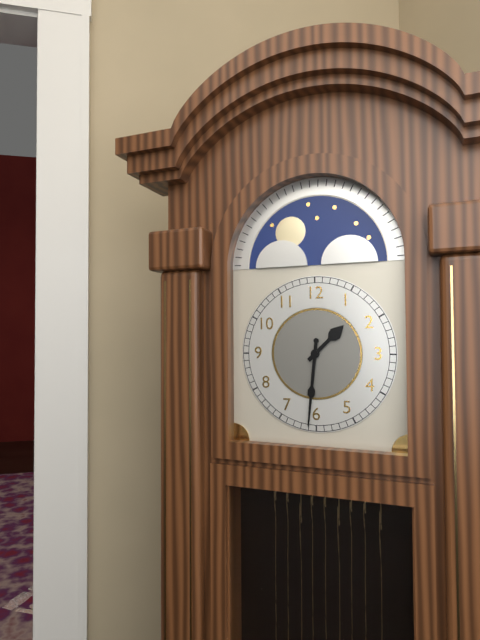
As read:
1.31
